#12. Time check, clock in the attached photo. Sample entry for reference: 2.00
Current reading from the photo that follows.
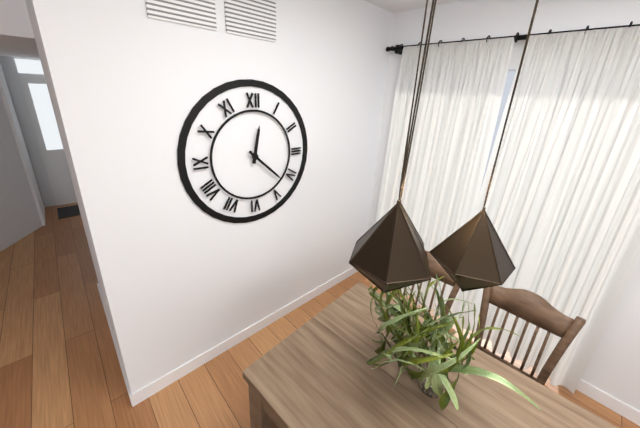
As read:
12.22
